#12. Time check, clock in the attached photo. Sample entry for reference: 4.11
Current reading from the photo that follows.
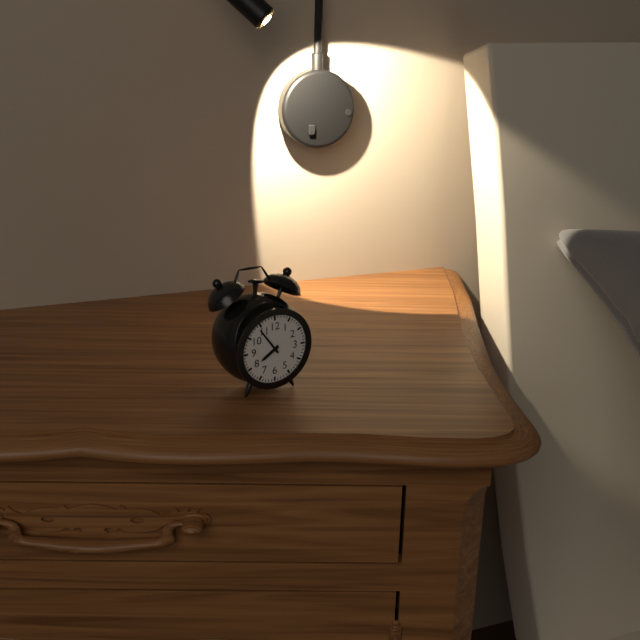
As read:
7.54
